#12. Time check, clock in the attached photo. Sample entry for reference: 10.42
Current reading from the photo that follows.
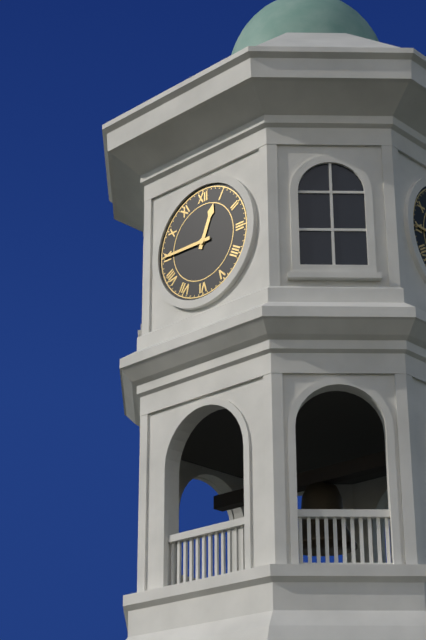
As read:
12.45
